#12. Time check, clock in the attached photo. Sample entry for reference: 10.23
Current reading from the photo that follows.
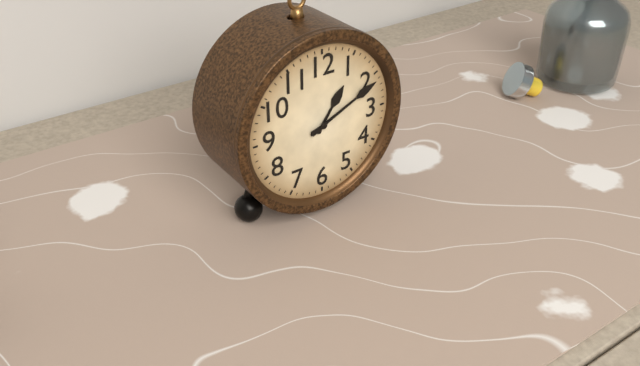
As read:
1.11
